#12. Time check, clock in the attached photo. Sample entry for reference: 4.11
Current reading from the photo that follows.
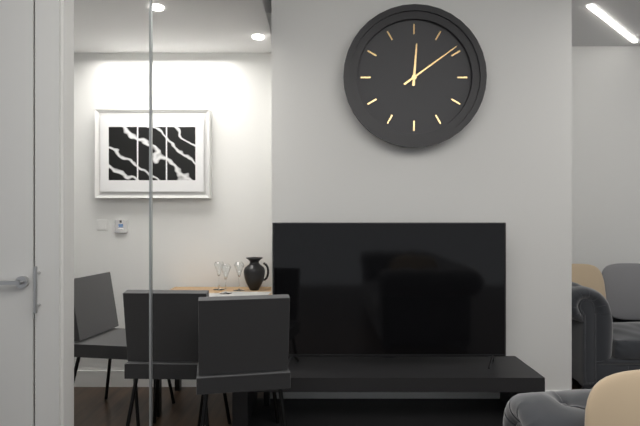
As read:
12.09
